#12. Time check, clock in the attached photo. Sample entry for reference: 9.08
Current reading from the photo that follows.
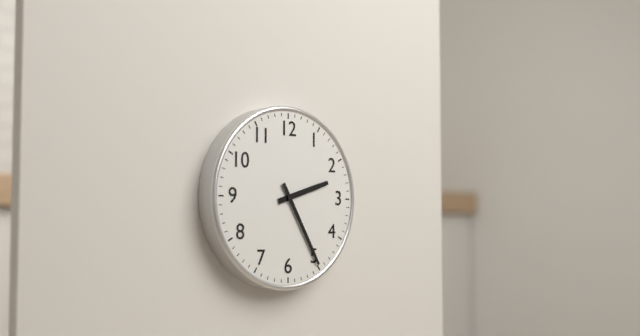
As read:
2.25
